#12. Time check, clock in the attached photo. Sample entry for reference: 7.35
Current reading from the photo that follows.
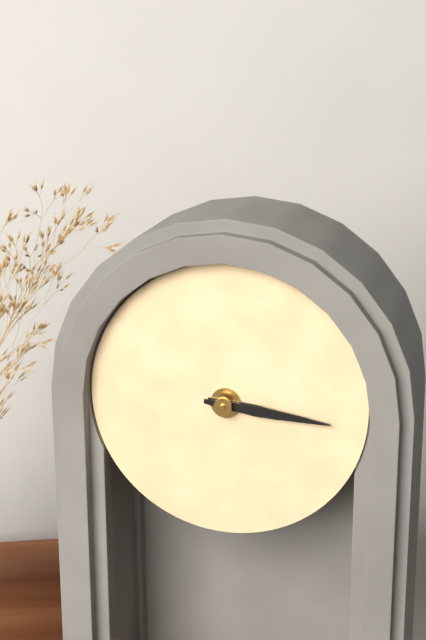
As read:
3.16
